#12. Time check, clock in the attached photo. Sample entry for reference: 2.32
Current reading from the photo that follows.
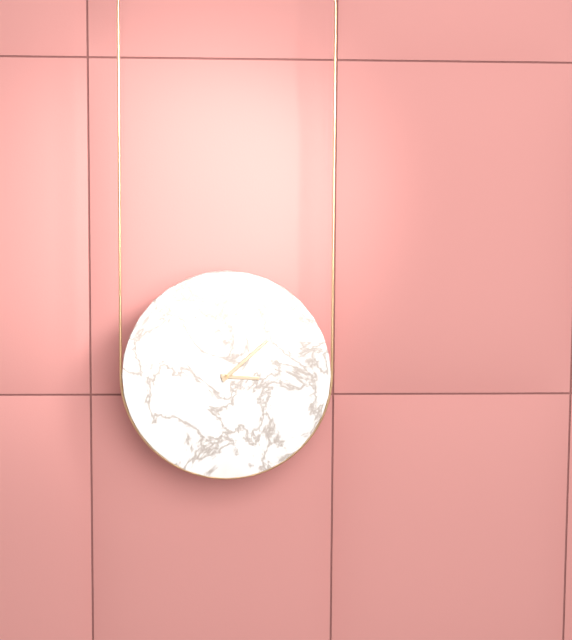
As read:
3.08
